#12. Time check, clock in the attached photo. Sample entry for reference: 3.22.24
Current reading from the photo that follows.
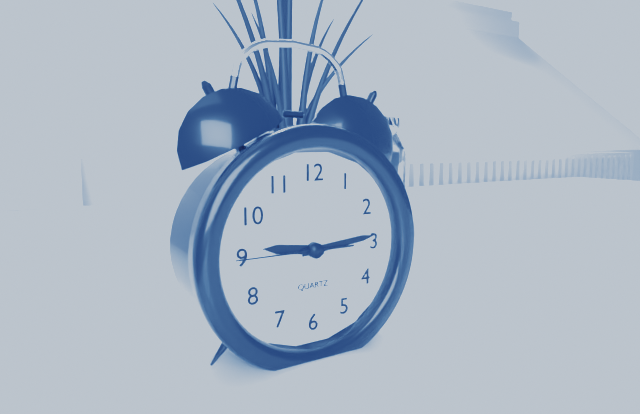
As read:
9.14.45
